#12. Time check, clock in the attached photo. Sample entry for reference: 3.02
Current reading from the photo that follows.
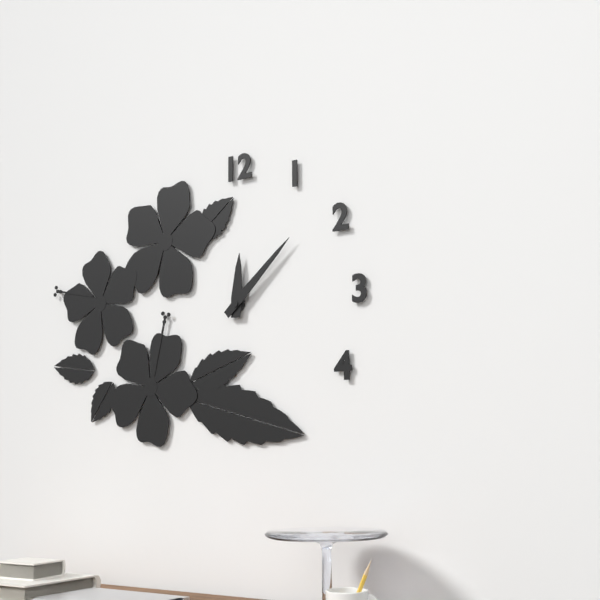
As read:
12.08
